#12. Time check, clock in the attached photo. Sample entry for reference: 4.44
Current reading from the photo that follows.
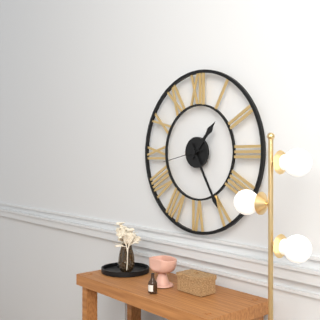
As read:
1.25
